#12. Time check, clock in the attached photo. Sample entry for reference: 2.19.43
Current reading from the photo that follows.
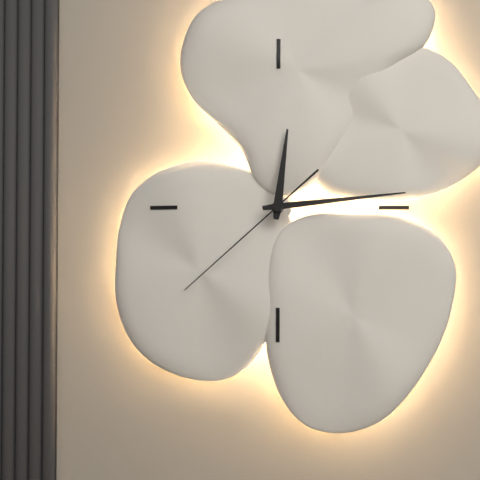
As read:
12.14.38
